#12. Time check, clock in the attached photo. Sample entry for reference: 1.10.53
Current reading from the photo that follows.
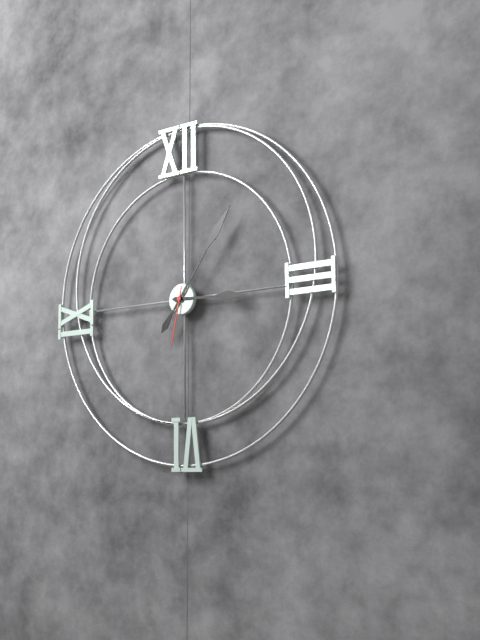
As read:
3.06.32
